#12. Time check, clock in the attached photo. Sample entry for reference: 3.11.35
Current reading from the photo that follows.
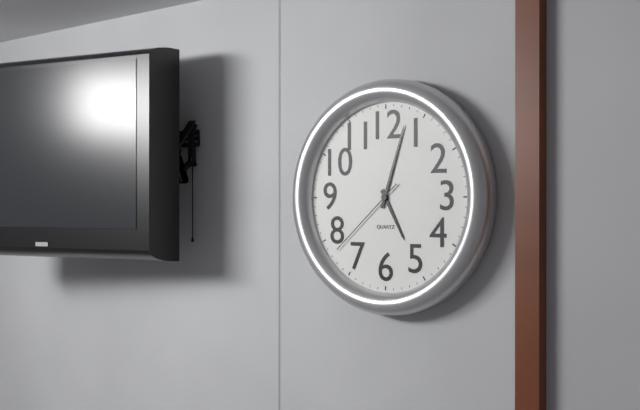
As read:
5.03.38
